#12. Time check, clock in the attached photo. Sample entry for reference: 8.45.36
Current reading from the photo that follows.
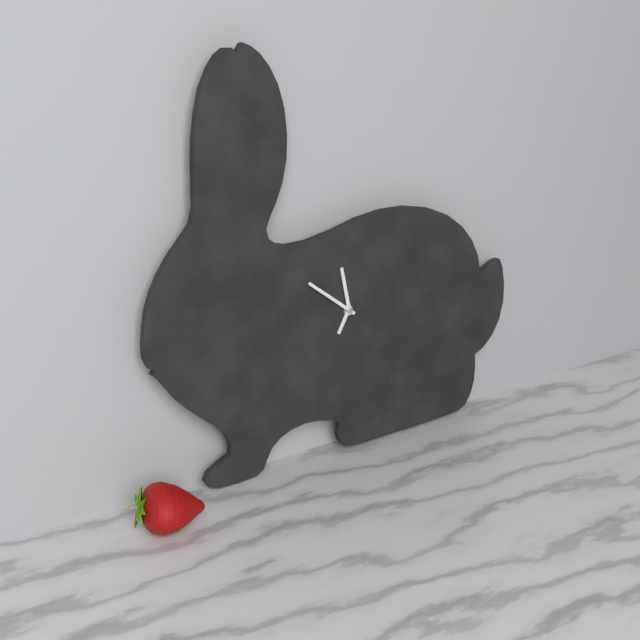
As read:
6.58.51
